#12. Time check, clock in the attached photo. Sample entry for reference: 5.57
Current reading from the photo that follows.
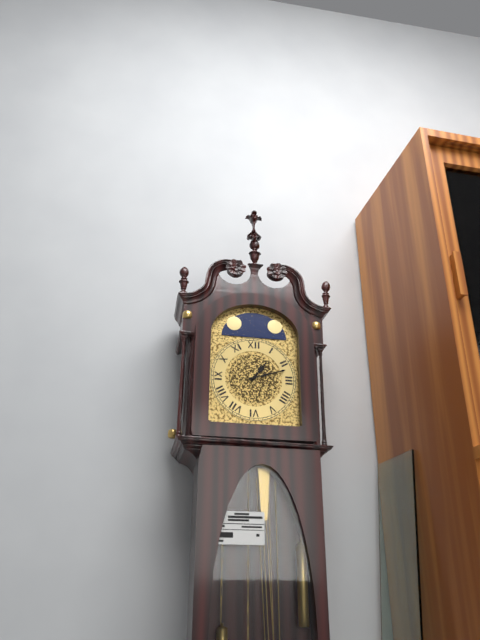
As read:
1.12
